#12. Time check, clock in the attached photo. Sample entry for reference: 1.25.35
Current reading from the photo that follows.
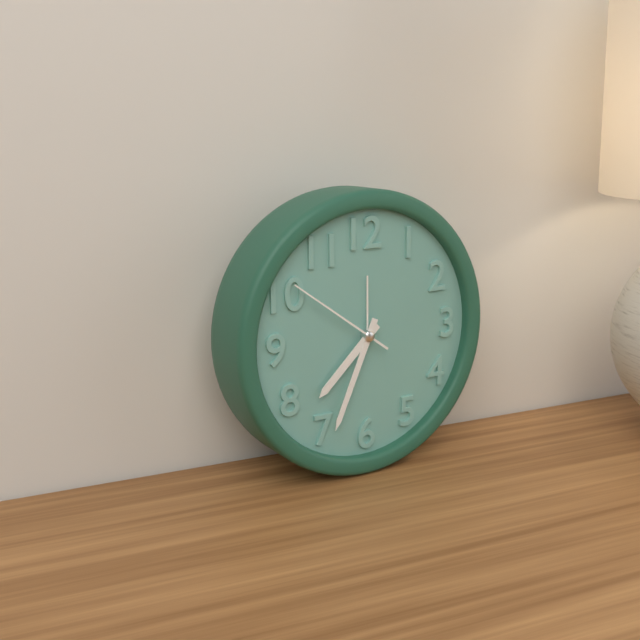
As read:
7.34.51
